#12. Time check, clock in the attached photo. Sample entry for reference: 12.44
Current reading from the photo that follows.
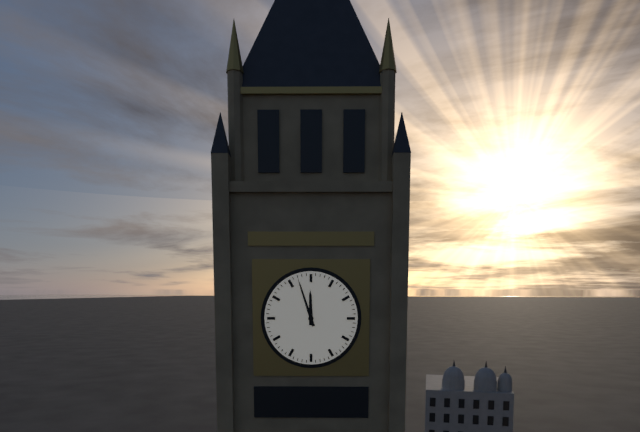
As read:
11.57
